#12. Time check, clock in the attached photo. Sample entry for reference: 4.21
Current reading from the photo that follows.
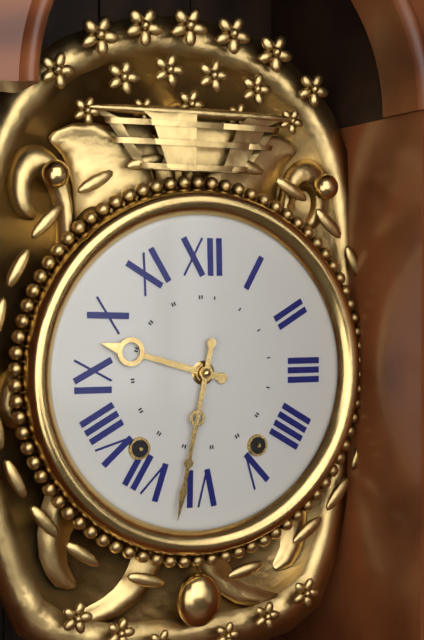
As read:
9.32
